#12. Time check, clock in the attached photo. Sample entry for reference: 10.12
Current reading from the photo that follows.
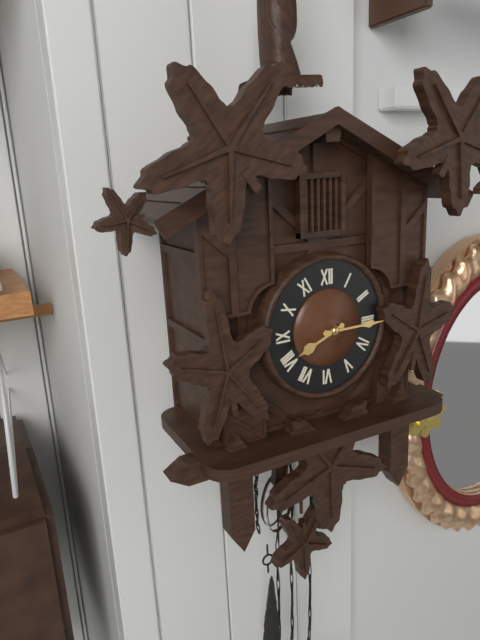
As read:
8.15
